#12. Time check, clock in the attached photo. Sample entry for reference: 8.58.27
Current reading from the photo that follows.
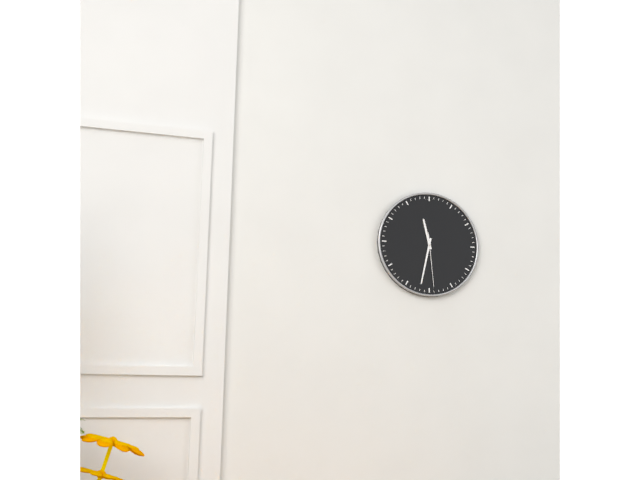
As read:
11.32.29
